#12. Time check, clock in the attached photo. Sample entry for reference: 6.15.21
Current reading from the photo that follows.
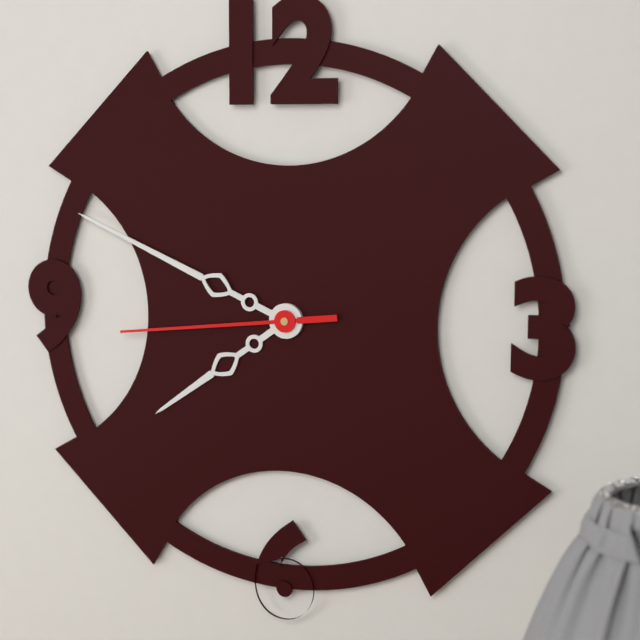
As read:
7.49.44
